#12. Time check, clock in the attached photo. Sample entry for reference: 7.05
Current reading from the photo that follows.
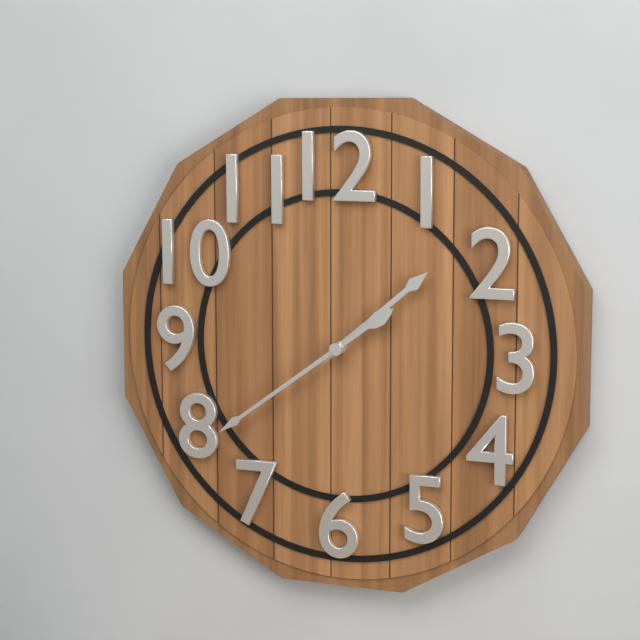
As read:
1.39
